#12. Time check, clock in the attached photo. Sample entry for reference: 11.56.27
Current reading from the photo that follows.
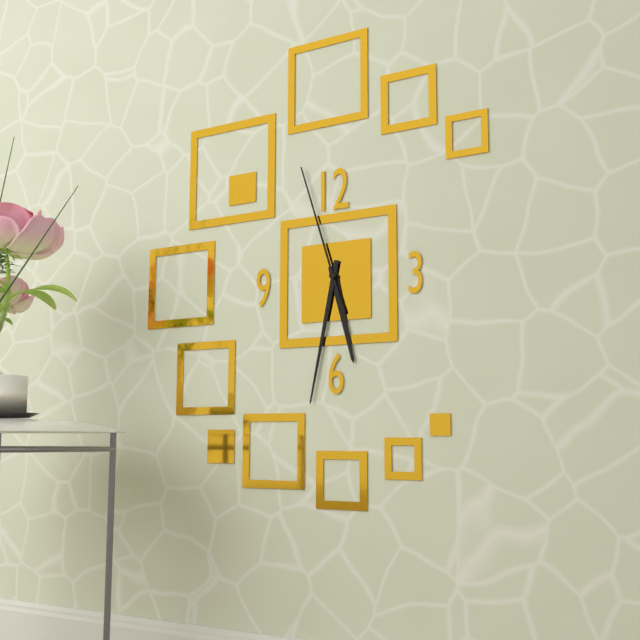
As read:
5.32.57
